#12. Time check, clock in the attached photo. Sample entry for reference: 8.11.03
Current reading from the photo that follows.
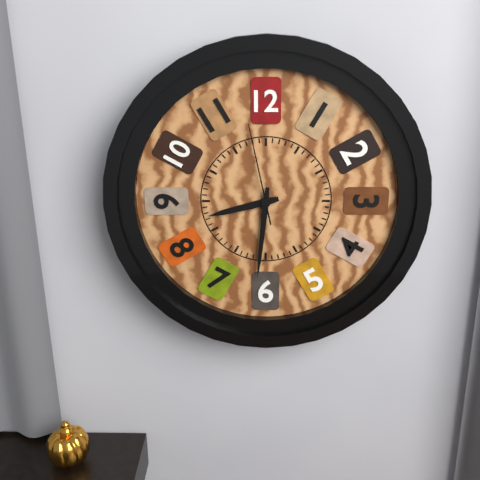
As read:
8.31.58
